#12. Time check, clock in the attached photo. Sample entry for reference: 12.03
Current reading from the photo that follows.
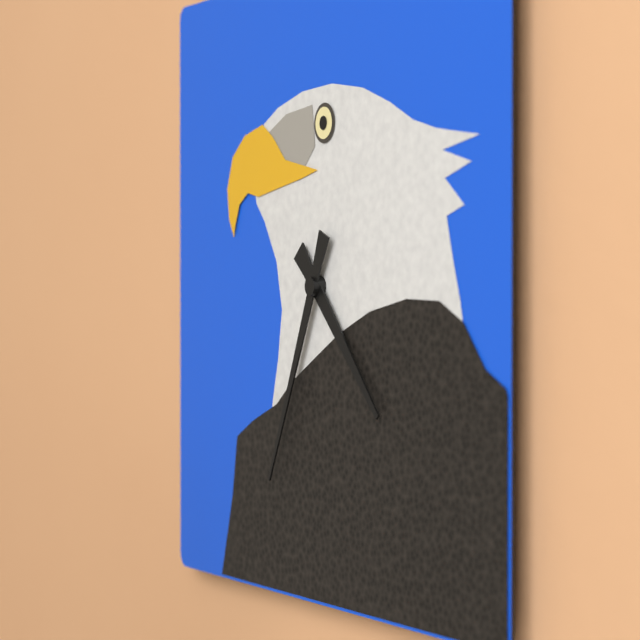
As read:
4.34
